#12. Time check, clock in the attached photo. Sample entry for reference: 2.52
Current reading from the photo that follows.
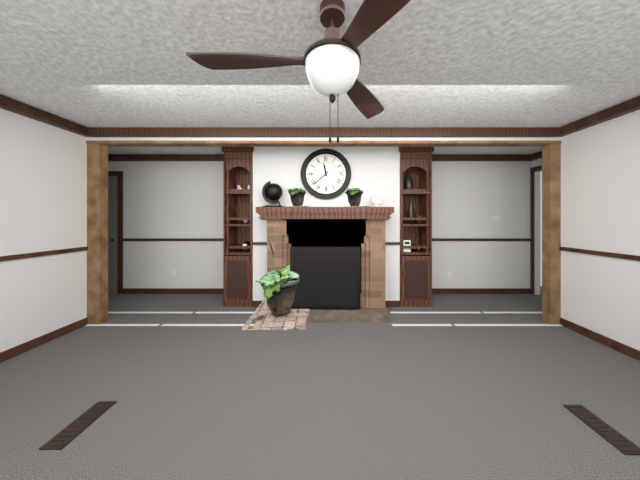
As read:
11.38
